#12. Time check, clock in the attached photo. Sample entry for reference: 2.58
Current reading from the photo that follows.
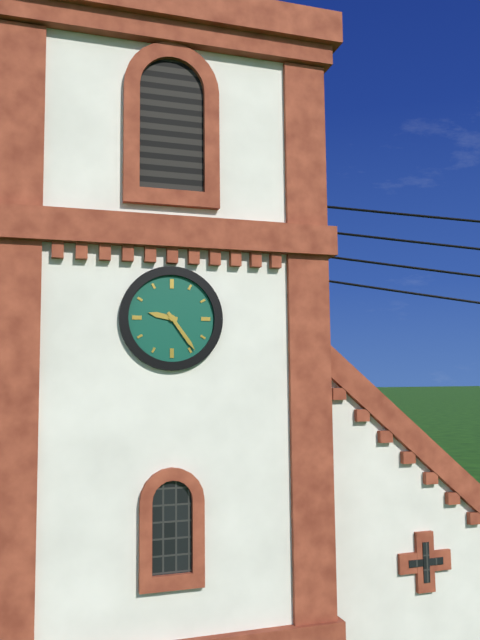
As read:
9.24
